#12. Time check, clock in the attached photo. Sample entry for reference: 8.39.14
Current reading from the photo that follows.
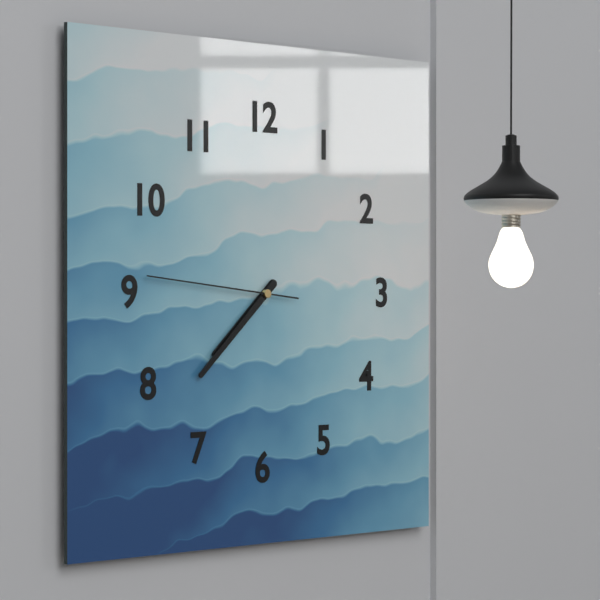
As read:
7.38.46
